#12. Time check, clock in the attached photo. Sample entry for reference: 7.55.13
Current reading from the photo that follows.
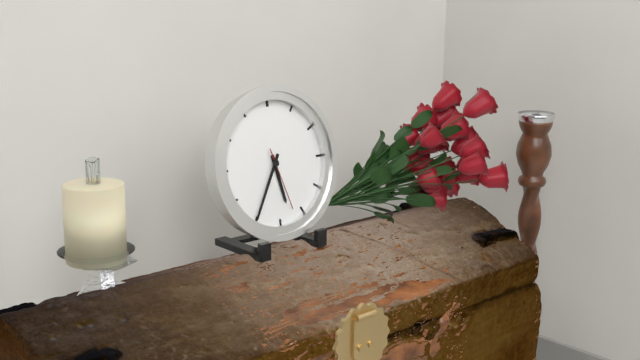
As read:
5.35.27
